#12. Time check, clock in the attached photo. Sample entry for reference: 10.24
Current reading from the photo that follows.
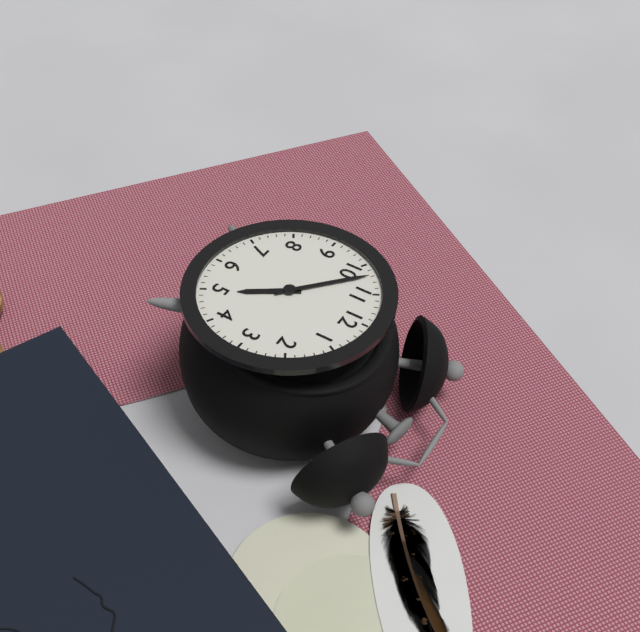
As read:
4.52
